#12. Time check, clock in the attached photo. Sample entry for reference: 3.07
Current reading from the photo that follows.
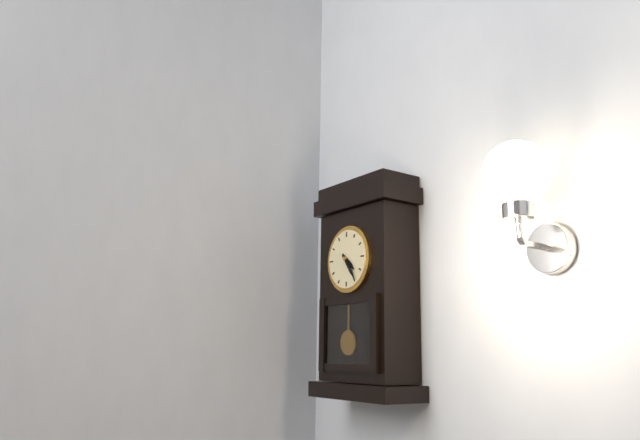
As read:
4.24
